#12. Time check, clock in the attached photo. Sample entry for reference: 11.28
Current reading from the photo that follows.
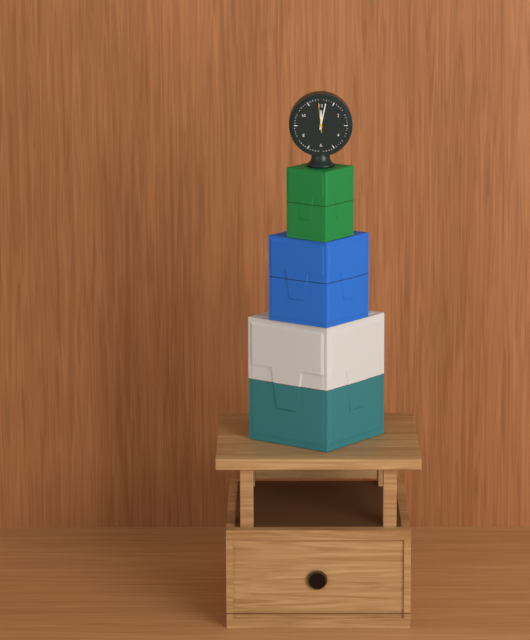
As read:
12.02
